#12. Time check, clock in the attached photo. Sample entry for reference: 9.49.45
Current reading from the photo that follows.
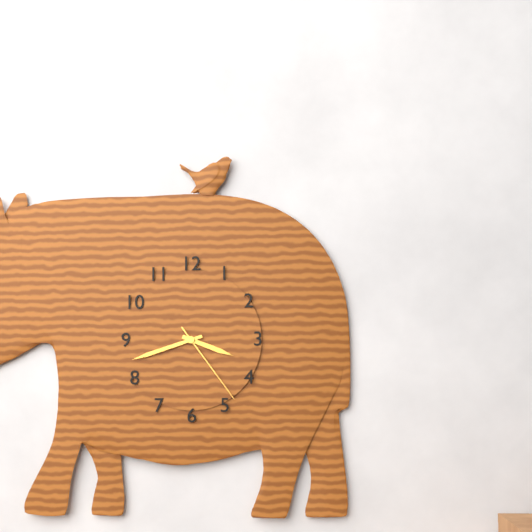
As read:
3.42.24
